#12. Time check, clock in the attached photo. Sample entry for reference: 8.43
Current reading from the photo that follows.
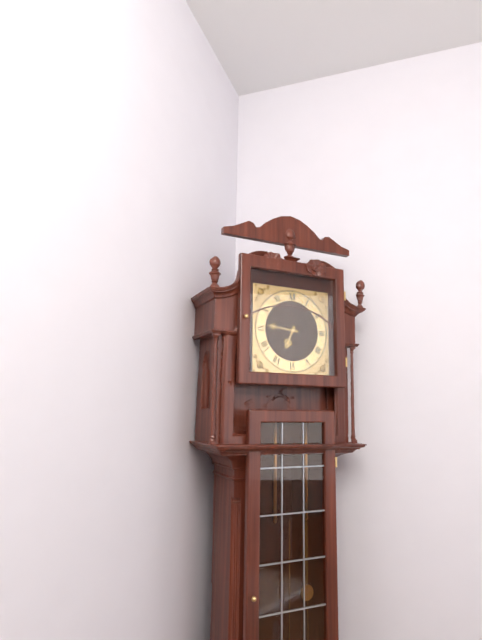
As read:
6.46
